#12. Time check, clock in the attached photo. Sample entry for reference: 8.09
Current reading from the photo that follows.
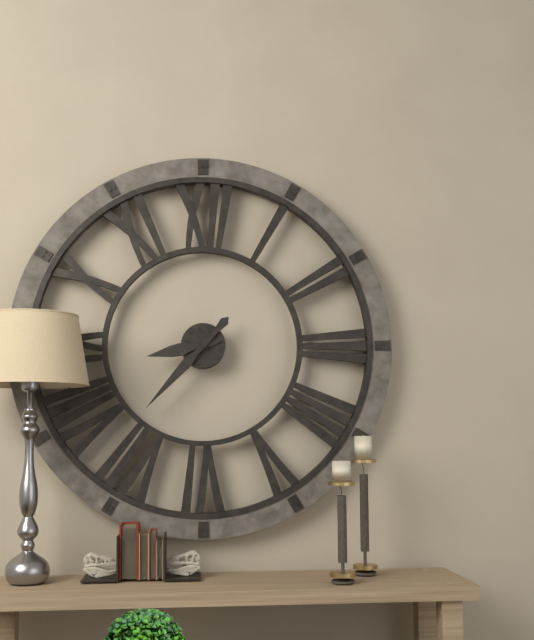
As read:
8.37
